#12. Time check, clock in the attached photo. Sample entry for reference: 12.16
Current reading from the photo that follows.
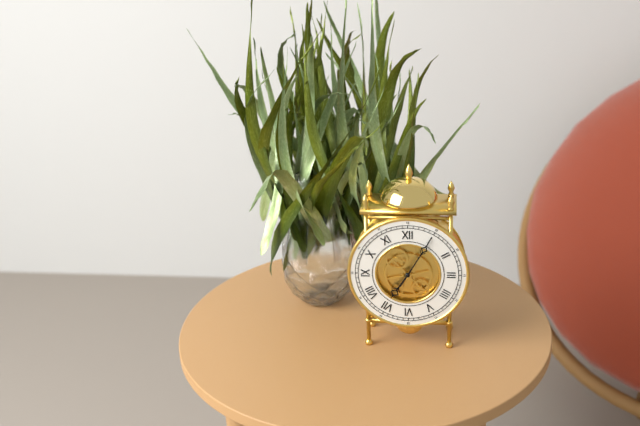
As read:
7.05
